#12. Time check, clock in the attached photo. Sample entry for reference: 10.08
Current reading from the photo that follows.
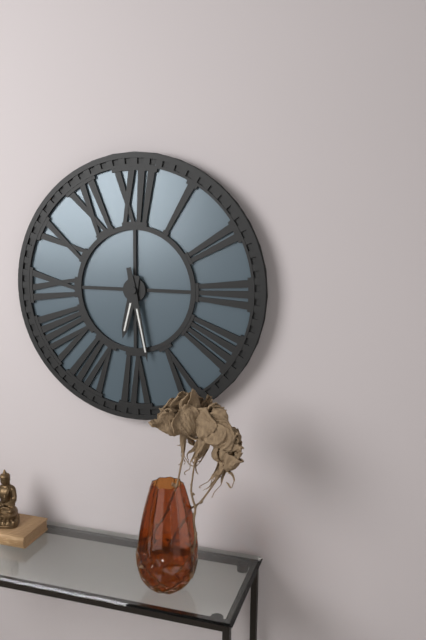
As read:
6.28
